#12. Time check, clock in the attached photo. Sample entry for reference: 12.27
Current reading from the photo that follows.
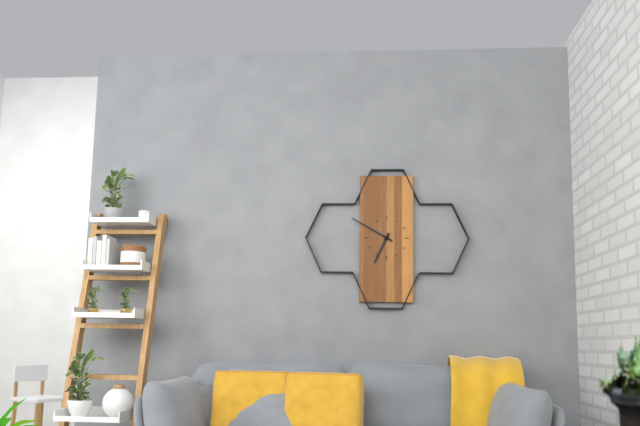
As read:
6.50
